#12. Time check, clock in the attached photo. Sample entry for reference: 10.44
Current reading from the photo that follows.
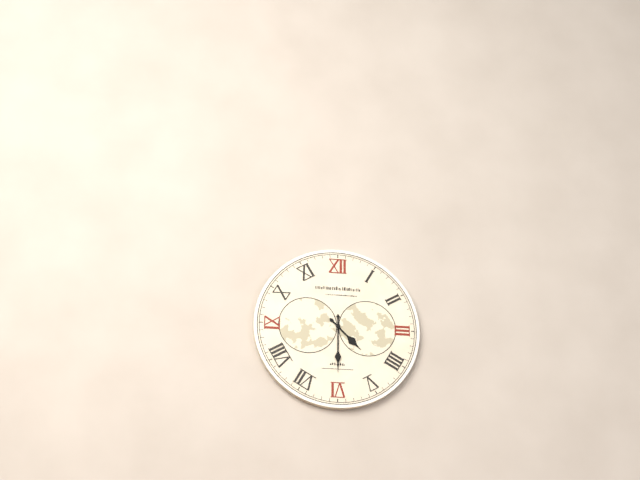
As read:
4.30
